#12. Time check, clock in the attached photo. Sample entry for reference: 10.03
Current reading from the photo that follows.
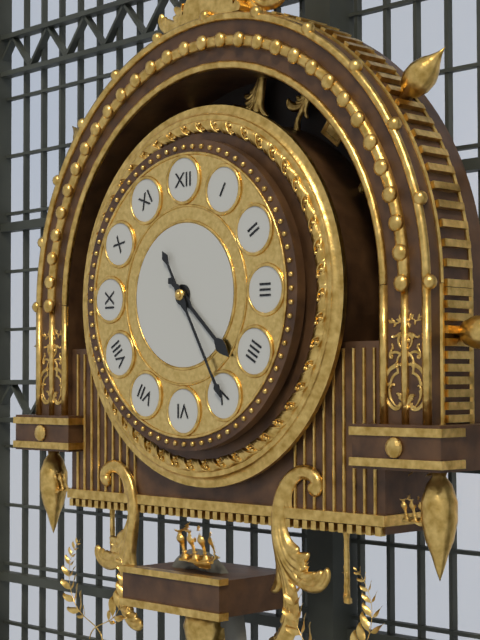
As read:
4.25
